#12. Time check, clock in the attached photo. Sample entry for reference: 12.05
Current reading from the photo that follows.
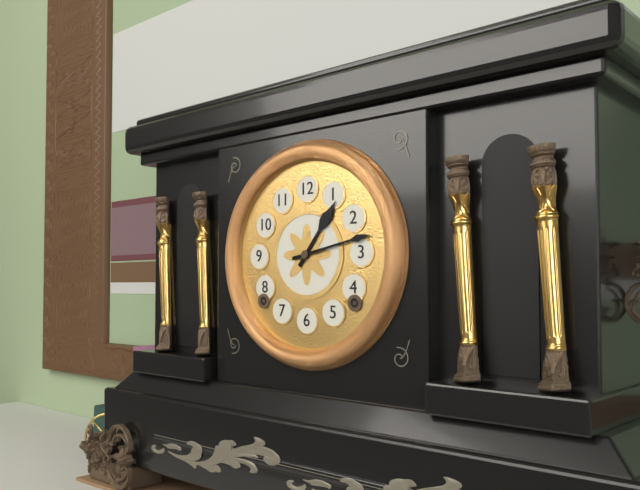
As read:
1.13
